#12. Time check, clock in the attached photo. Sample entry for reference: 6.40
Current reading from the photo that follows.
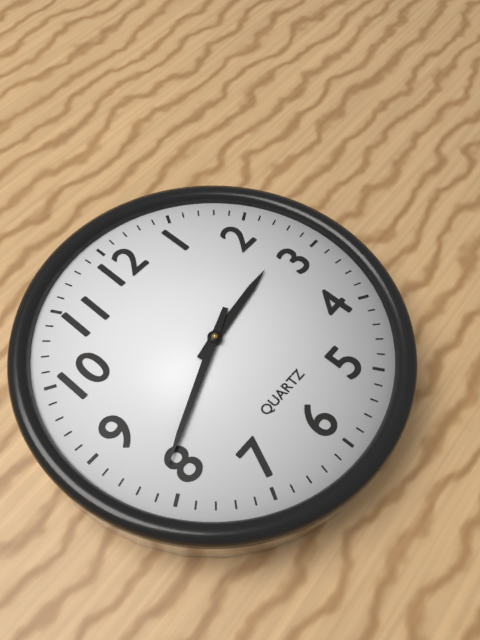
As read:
2.41
